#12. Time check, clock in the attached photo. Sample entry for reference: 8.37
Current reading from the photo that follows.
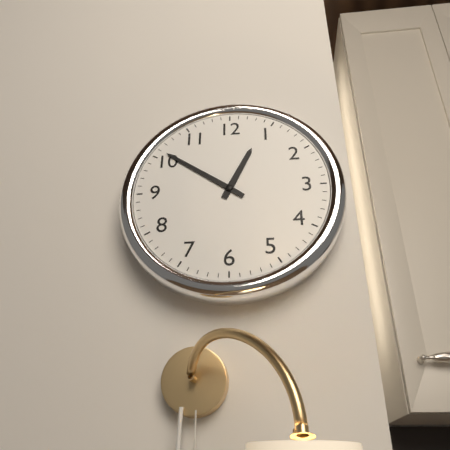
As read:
12.51
